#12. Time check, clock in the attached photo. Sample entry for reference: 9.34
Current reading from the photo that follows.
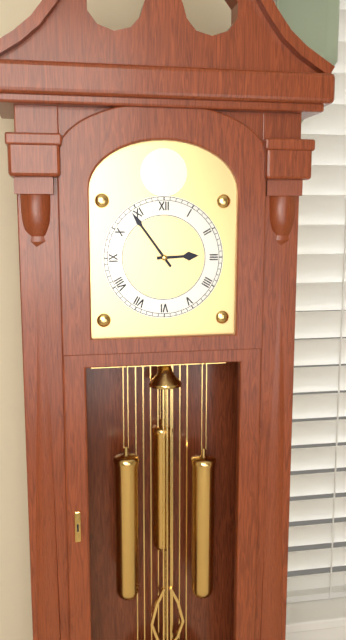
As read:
2.54
